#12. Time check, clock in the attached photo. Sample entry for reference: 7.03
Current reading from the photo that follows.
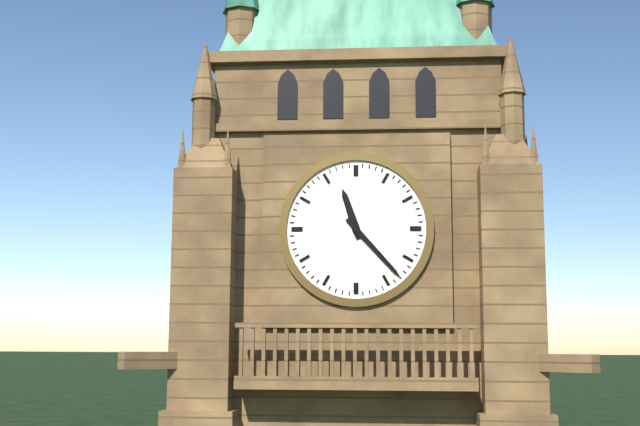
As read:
11.23
